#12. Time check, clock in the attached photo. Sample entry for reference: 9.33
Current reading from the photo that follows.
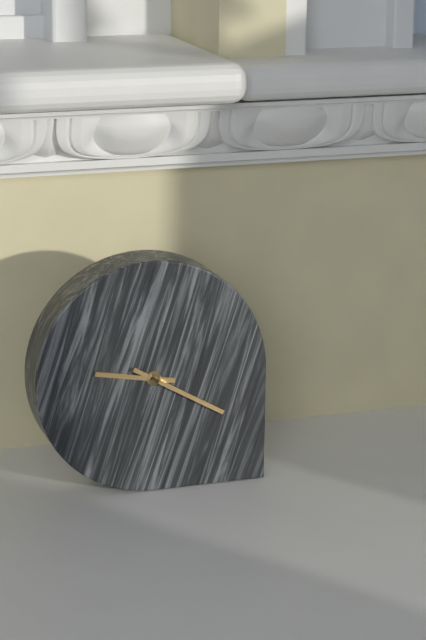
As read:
9.20
